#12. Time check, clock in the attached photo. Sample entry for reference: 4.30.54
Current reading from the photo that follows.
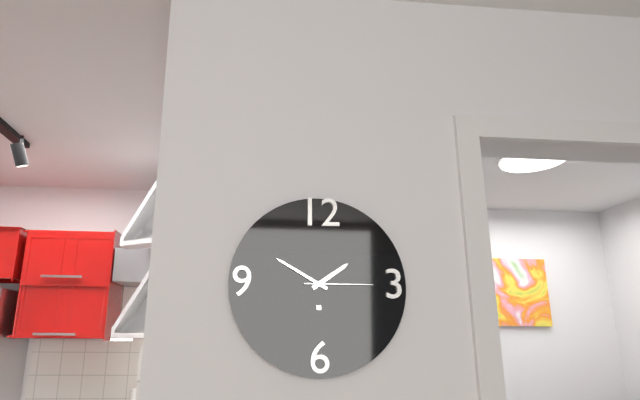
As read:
1.50.15
